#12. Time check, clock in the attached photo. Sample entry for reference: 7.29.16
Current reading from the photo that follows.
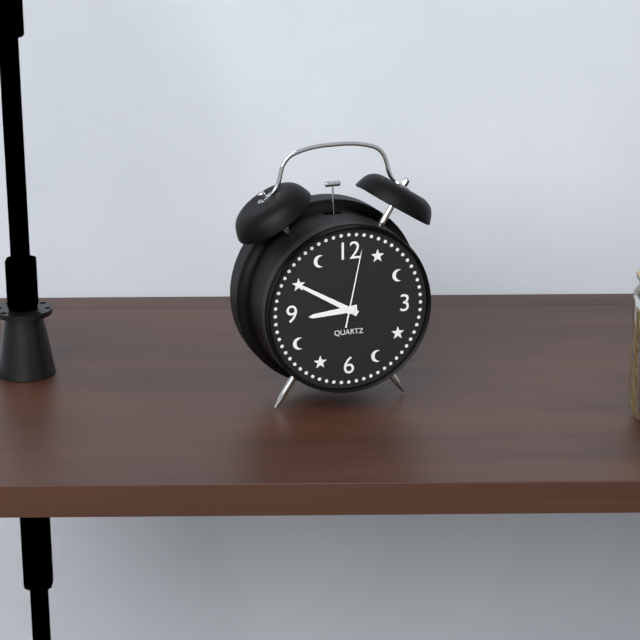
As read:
8.50.02
